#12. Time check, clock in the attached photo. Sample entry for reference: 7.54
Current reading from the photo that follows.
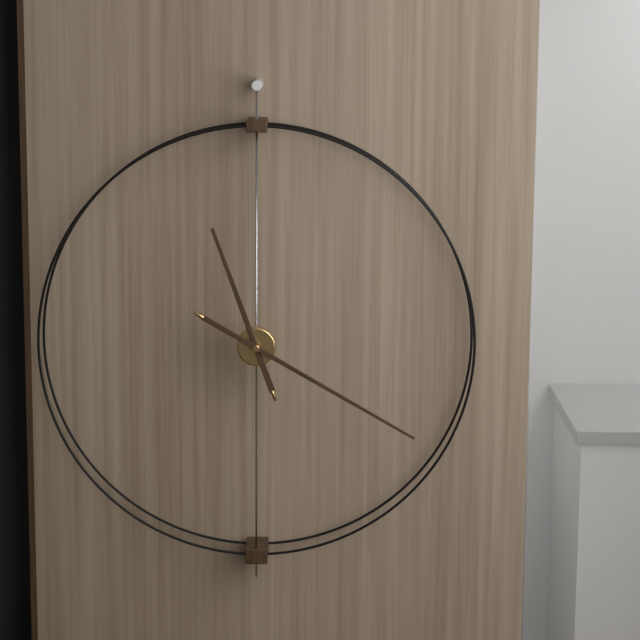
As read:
11.20
